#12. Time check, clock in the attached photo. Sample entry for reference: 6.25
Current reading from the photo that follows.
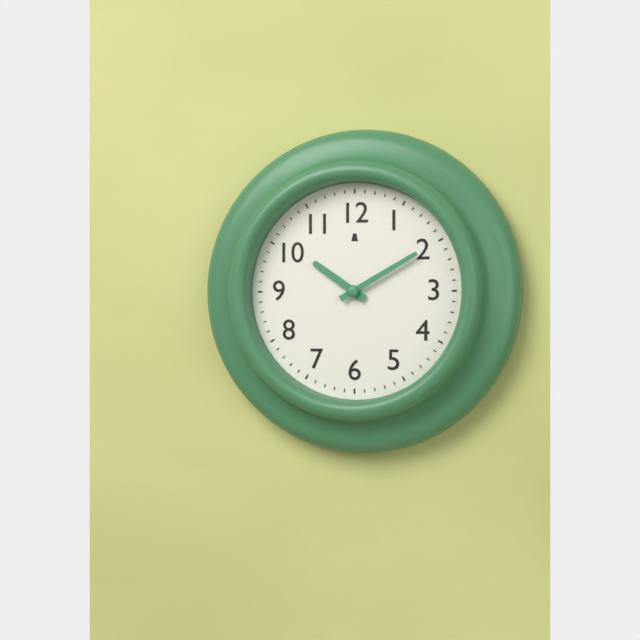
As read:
10.10
